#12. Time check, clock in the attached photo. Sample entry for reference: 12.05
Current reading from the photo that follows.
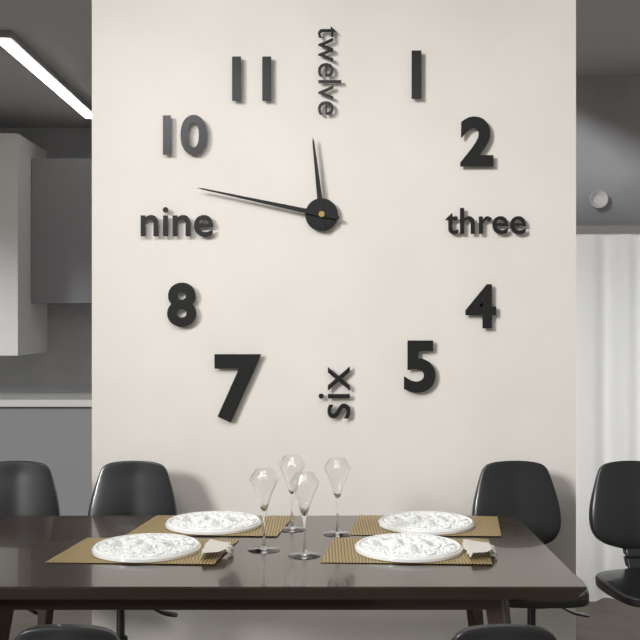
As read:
11.47
